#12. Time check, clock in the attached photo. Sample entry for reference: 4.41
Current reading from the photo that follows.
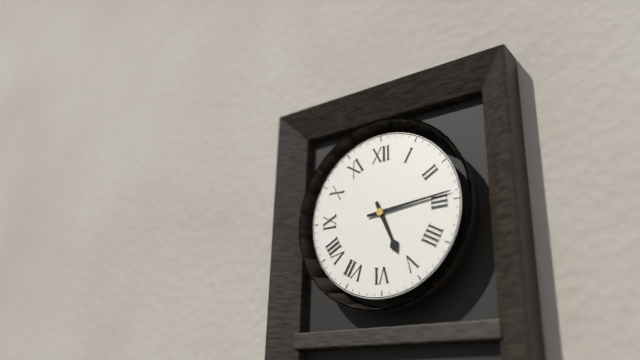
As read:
5.14
